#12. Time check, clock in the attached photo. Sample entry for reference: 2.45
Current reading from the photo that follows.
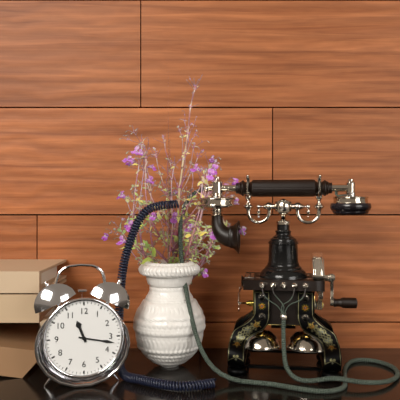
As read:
11.17
